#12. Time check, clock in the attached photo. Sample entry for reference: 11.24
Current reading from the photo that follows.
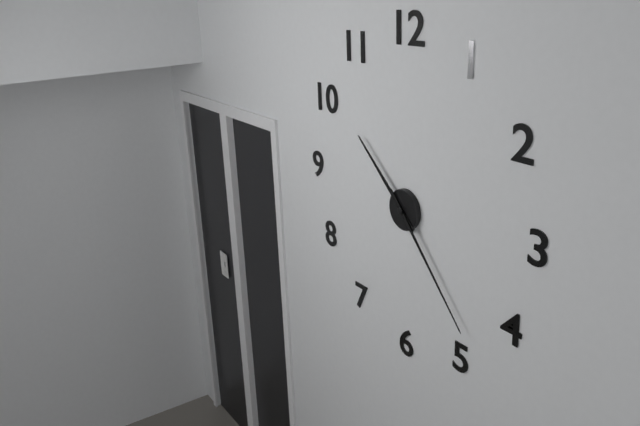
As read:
10.23
